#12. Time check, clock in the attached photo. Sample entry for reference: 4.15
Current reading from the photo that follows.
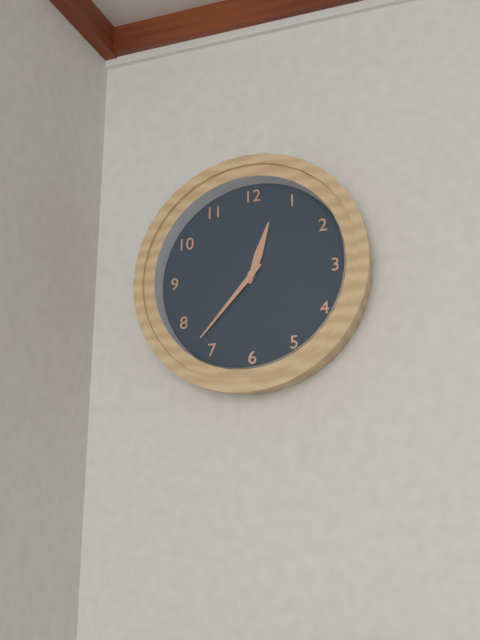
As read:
12.37
